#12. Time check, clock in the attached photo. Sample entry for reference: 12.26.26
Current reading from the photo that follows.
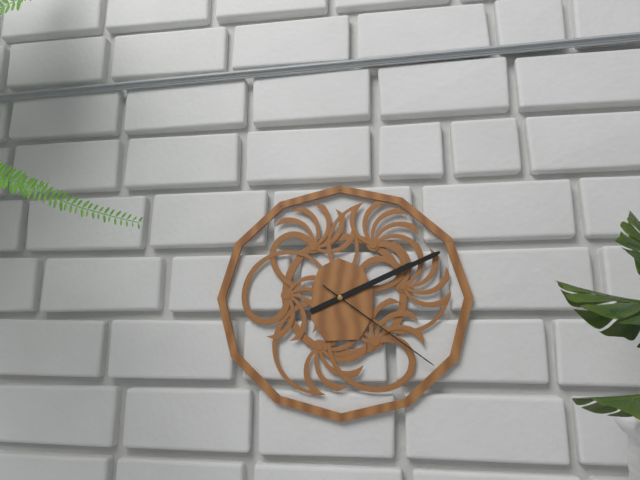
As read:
2.11.21
